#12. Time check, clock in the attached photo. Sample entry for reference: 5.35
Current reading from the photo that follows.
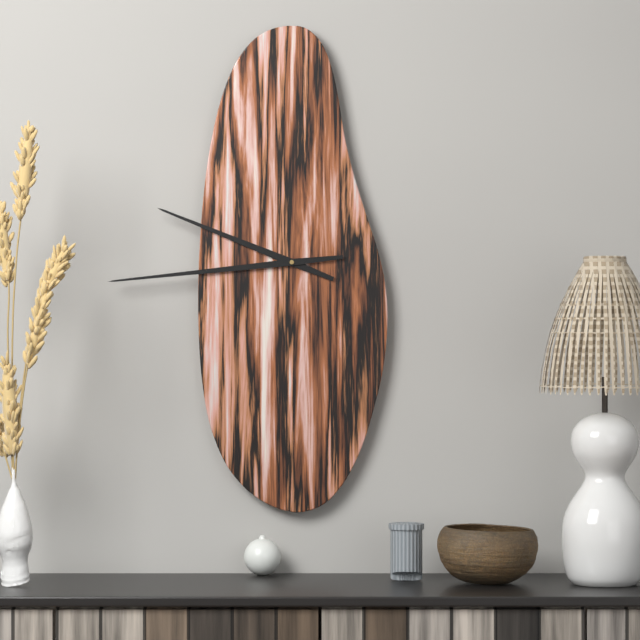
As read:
9.44
